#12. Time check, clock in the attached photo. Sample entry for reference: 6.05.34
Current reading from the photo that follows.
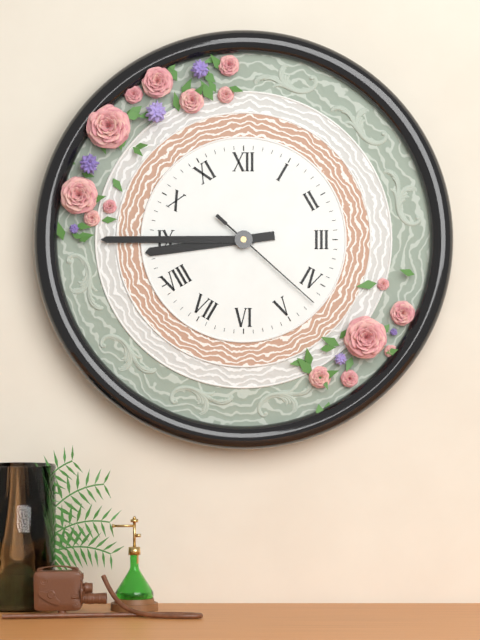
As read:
8.45.22
